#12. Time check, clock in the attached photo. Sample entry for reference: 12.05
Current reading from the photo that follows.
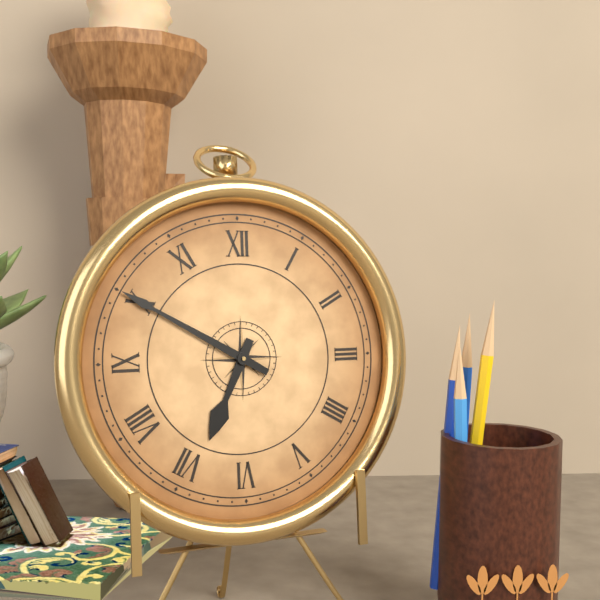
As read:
6.50
